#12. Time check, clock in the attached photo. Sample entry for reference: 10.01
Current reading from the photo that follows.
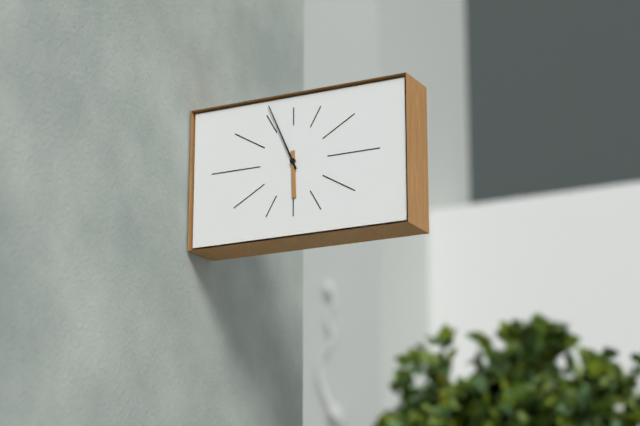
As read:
5.56
